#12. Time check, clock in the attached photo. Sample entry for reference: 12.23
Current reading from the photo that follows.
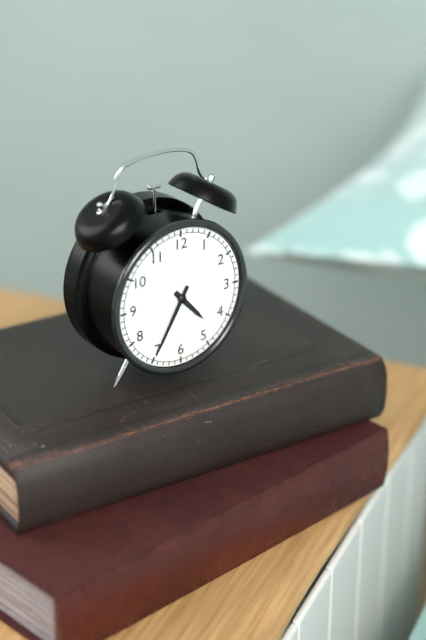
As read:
4.35
